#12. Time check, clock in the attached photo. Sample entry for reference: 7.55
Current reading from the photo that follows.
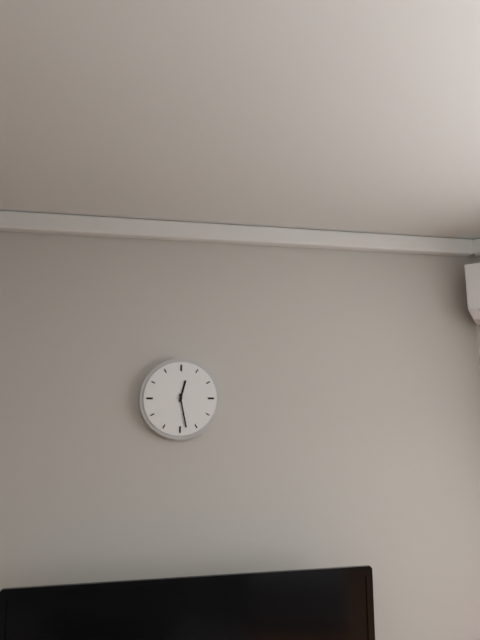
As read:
12.28
